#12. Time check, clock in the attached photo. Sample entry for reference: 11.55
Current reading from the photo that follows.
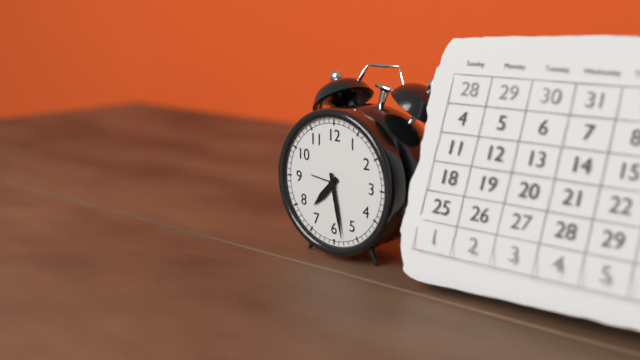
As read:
7.28
